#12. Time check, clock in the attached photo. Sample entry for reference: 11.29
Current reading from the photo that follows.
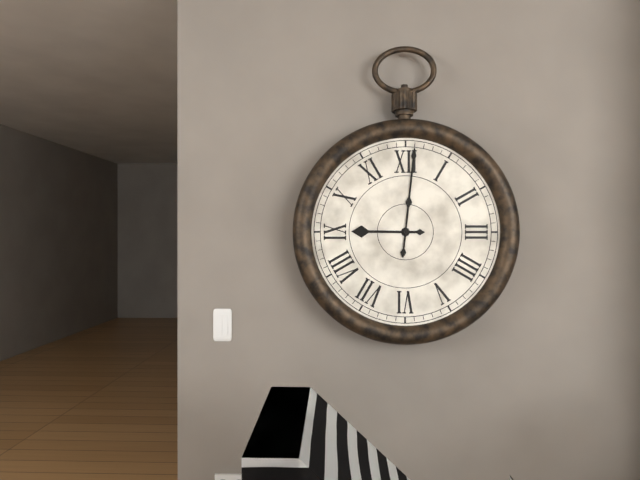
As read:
9.01
